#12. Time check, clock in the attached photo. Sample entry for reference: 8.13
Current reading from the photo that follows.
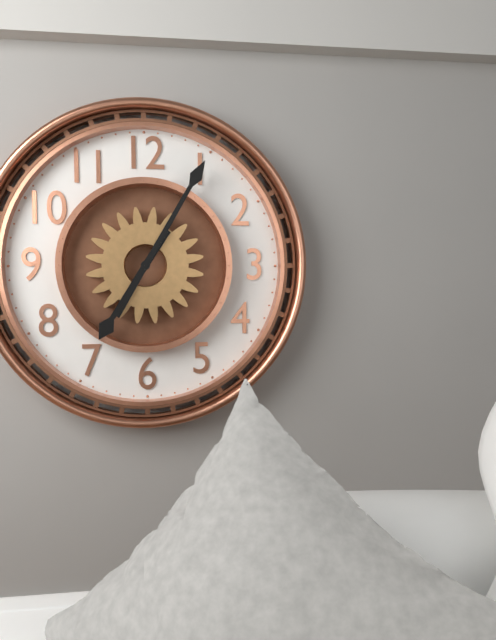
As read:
7.05
